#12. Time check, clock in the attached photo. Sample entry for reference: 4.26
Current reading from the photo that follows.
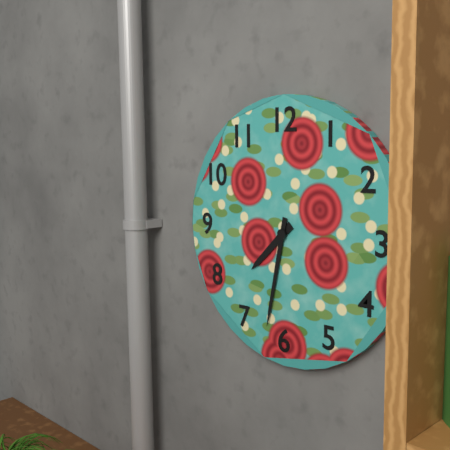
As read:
7.32
